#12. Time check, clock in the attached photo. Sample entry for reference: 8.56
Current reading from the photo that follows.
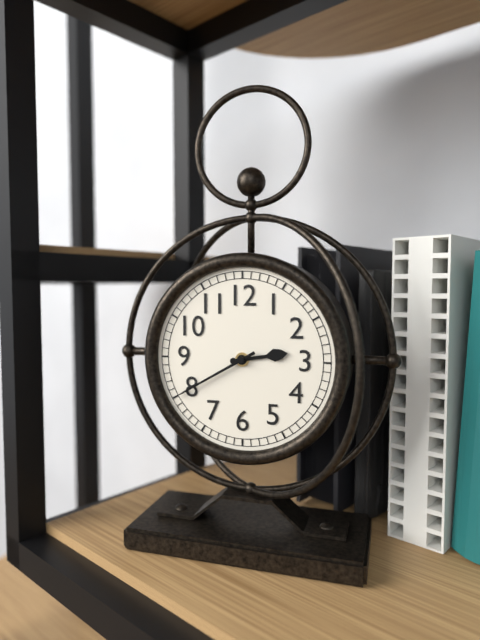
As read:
2.40
